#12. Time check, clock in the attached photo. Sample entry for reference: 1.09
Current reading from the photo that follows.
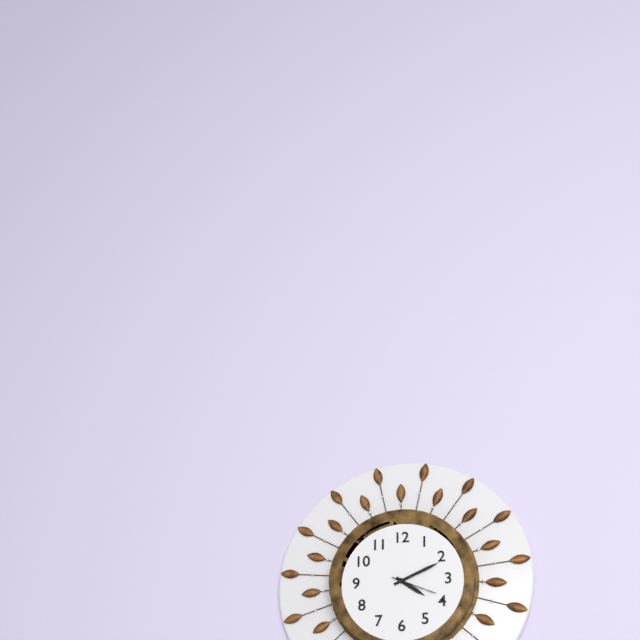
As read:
4.11
